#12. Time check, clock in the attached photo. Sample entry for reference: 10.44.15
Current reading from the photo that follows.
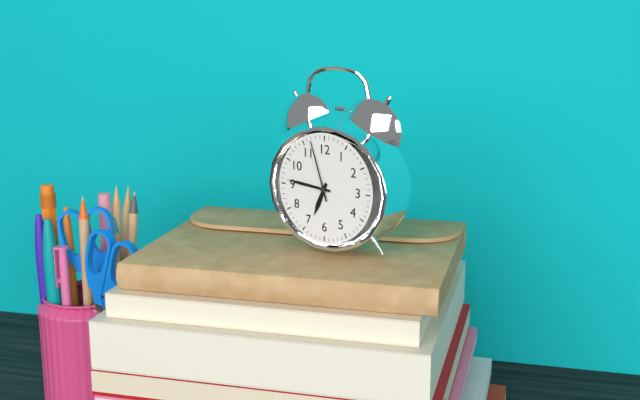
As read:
6.46.57
